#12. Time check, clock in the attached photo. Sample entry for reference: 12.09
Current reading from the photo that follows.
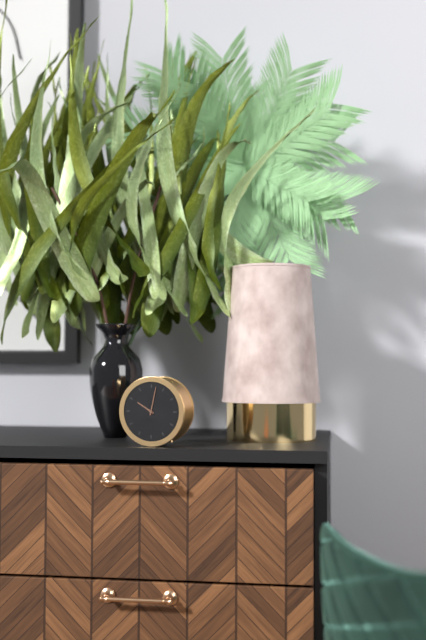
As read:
10.02
